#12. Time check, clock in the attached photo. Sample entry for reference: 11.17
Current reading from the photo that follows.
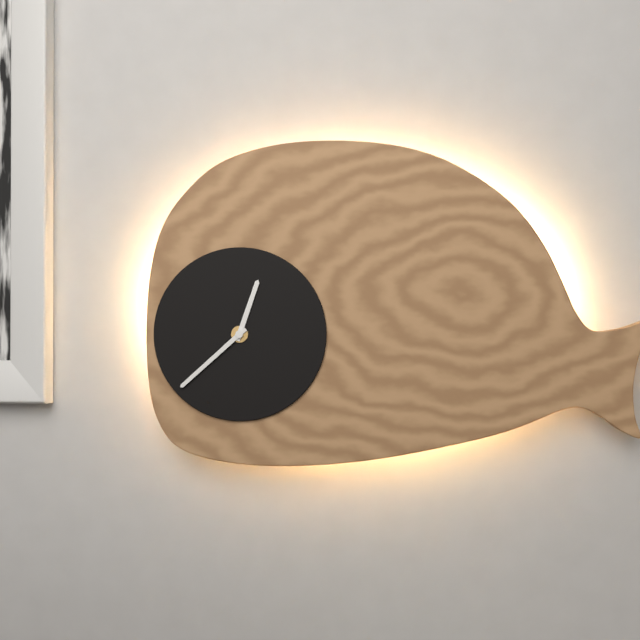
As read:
12.38
